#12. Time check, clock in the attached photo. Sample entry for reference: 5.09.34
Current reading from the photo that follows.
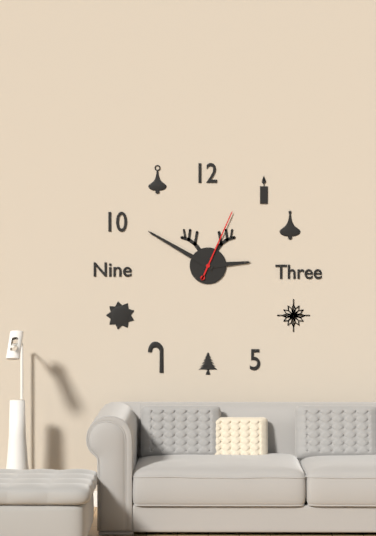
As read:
2.50.04
